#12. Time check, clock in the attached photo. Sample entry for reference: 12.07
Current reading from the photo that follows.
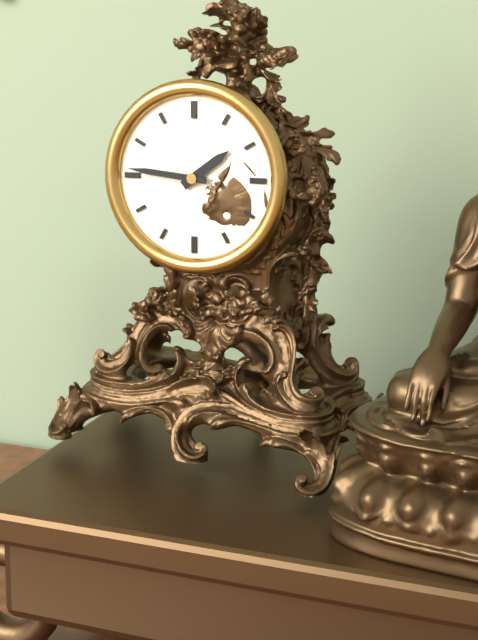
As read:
1.46
